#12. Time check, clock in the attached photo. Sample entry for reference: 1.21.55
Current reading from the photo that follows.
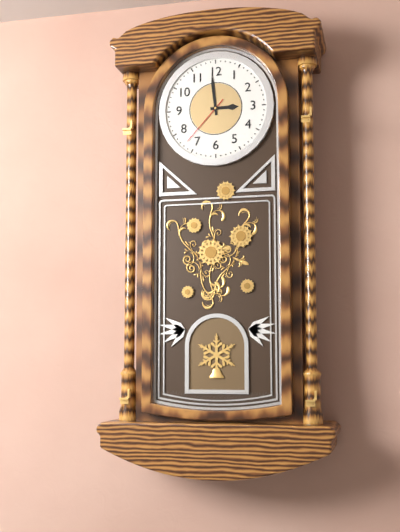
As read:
2.59.37
